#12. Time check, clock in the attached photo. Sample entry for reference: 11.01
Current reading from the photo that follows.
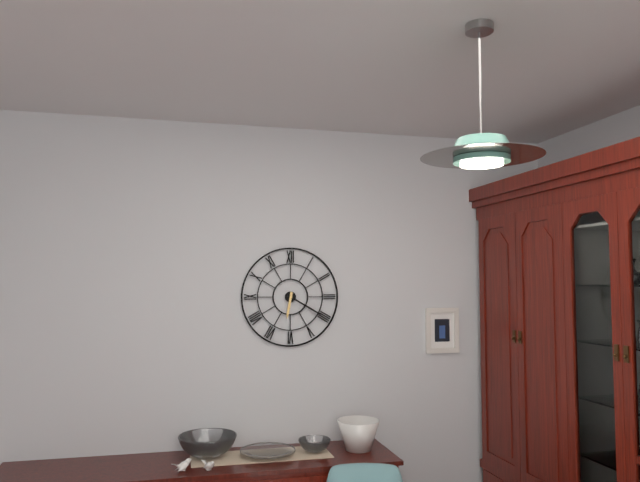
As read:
6.20
